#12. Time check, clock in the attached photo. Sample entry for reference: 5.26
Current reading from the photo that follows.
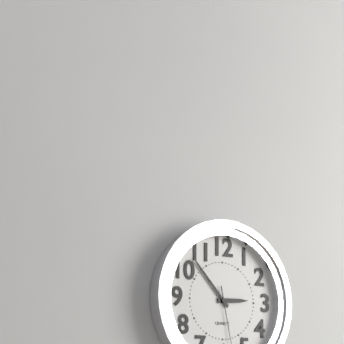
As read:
2.53
